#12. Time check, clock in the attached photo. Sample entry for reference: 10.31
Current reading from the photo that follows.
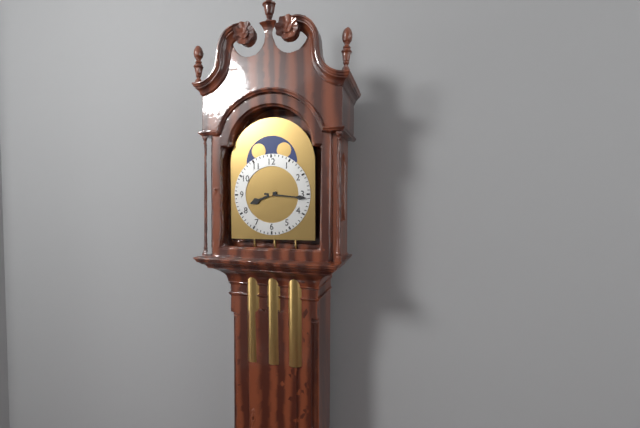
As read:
8.16
